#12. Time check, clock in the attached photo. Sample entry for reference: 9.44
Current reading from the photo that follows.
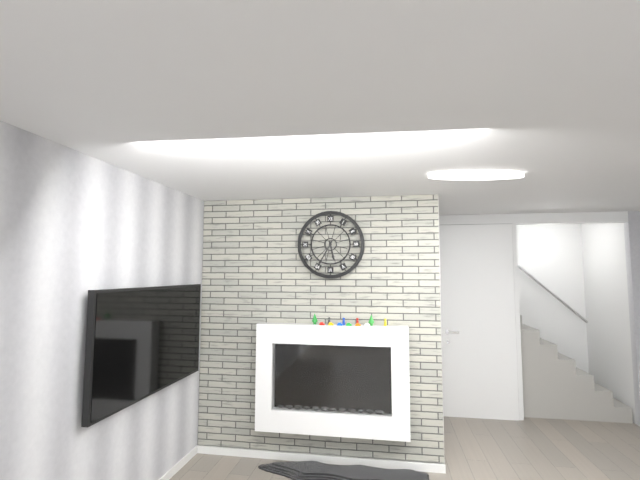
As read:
5.35
